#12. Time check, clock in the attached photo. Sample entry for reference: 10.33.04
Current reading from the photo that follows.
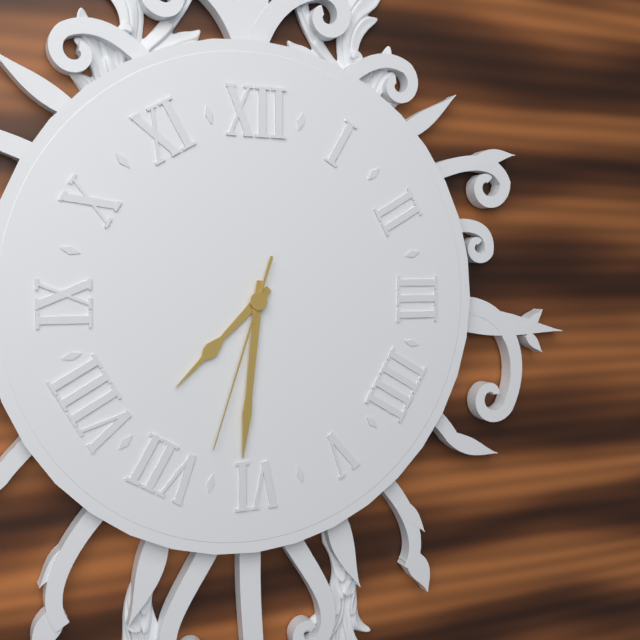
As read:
7.31.33
